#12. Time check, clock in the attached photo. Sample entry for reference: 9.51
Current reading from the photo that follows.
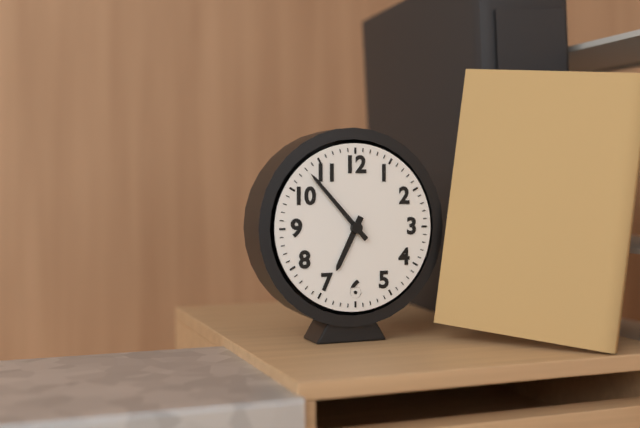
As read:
6.53
